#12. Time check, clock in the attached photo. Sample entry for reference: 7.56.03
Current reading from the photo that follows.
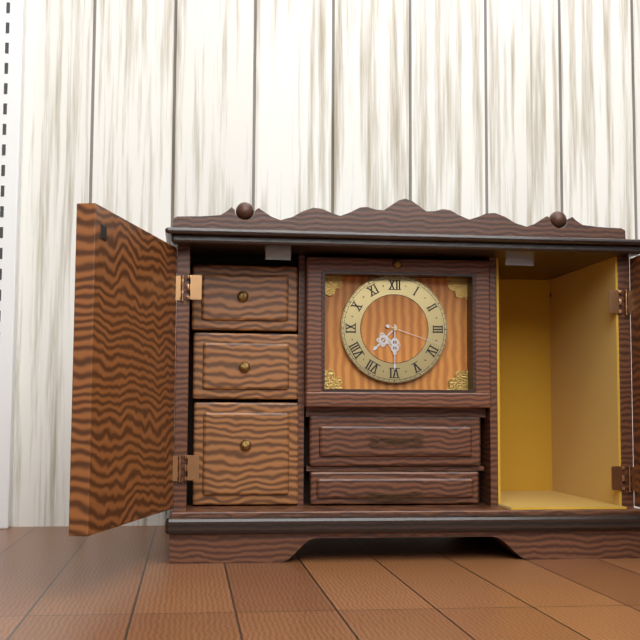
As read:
7.30.18
